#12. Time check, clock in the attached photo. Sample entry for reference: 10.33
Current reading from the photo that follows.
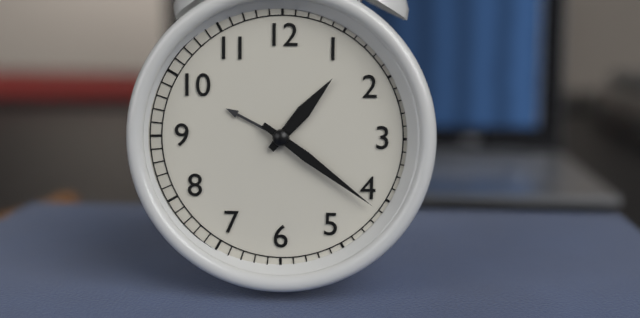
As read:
1.21
